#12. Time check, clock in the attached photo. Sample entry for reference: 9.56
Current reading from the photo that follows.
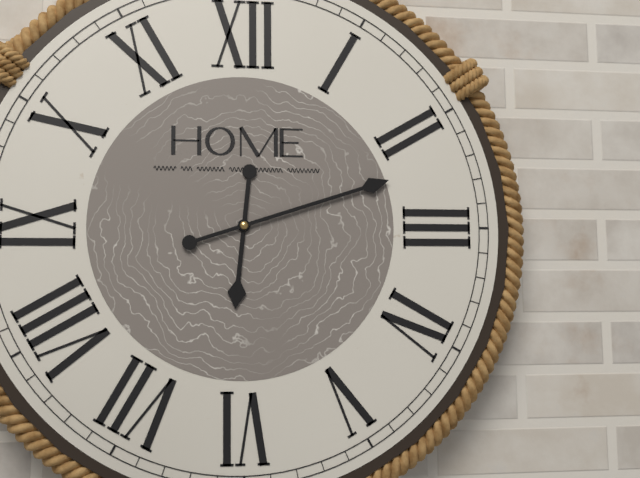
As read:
6.12
